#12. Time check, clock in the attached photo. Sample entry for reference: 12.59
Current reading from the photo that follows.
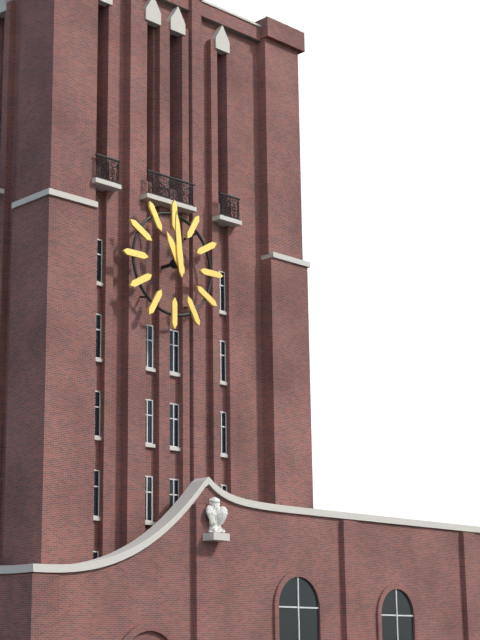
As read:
10.59
